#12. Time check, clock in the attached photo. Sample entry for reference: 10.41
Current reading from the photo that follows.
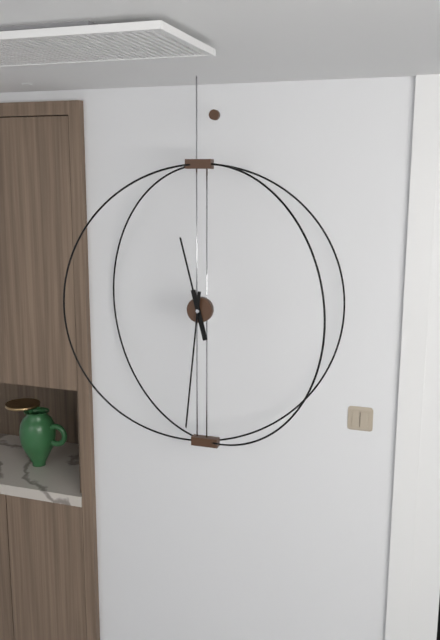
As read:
11.31
